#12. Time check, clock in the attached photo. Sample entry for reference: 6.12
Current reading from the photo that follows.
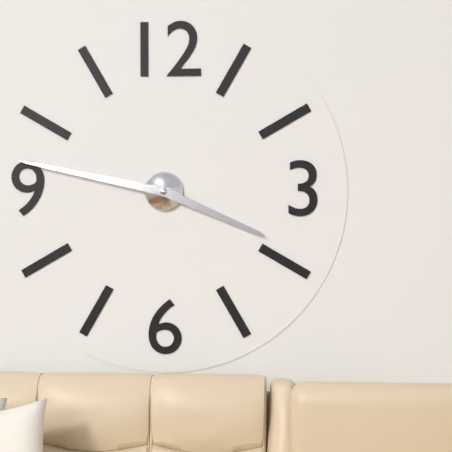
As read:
3.47
